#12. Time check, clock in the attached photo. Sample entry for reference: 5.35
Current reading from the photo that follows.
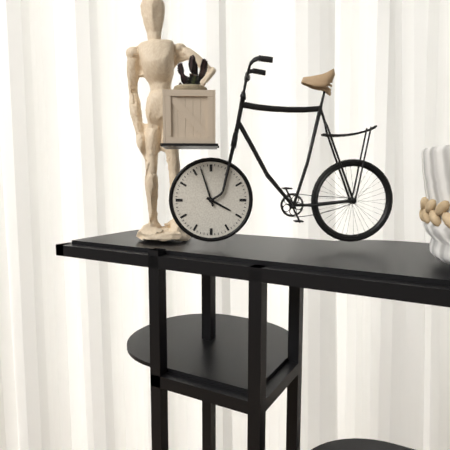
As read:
3.57
